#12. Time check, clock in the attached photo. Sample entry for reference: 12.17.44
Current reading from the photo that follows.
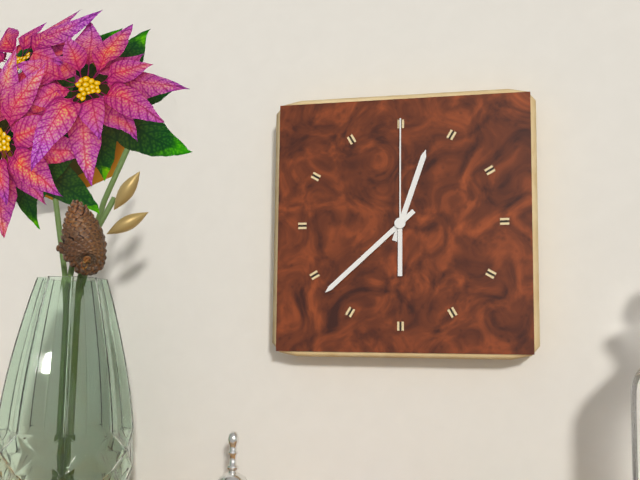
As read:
12.38.00
